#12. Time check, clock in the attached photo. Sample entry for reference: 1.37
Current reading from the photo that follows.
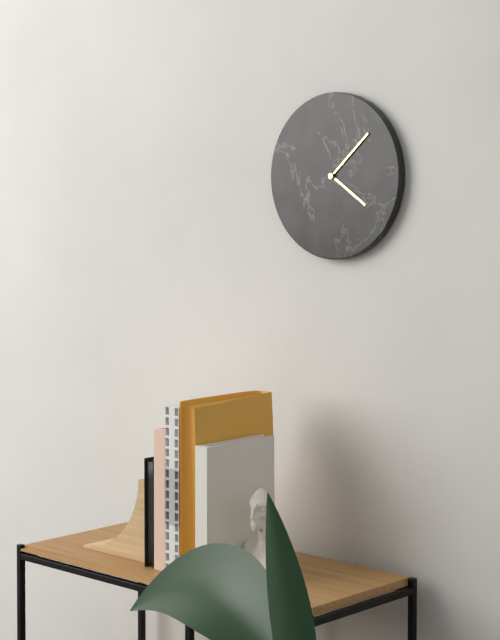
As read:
4.08
